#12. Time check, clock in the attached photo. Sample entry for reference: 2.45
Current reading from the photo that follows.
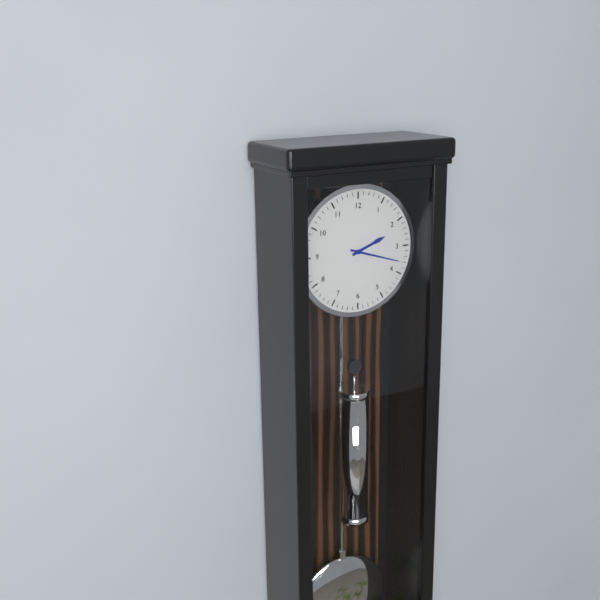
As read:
2.18
